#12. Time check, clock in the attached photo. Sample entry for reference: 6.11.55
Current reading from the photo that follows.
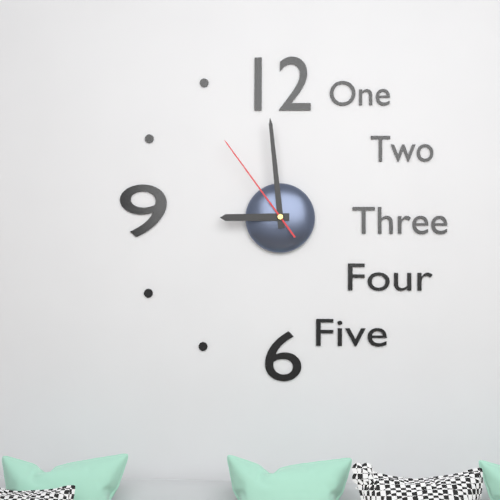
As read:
8.59.54
